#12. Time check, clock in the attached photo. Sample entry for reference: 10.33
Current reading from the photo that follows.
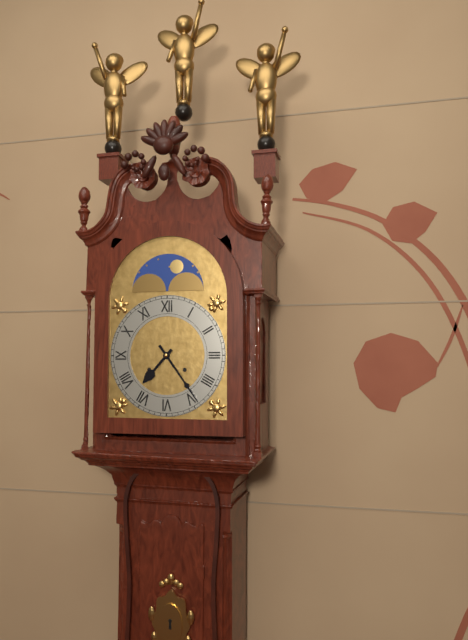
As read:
7.24
